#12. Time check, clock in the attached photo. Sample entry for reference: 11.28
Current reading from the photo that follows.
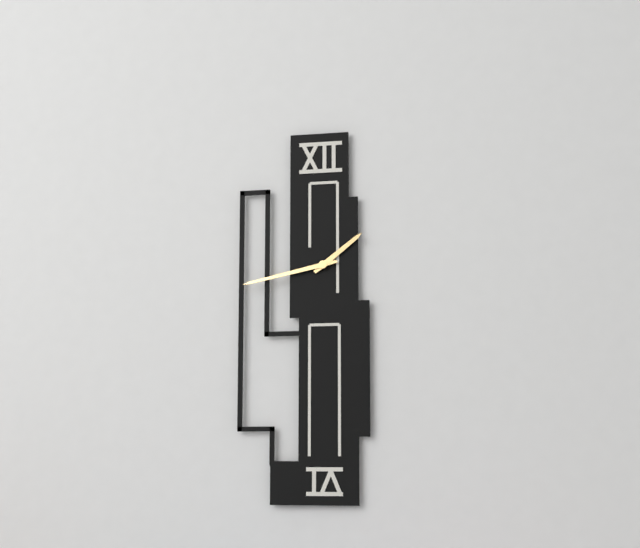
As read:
1.43
